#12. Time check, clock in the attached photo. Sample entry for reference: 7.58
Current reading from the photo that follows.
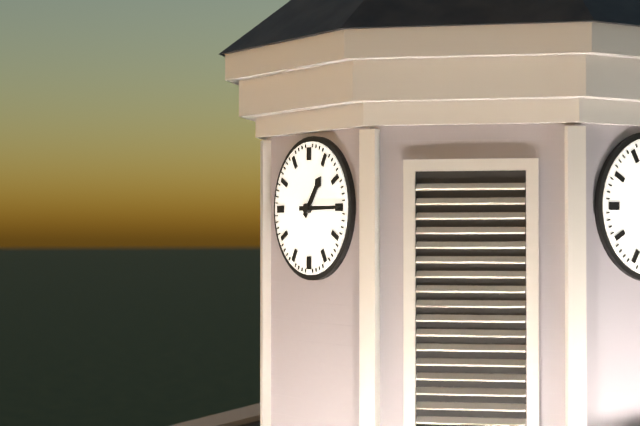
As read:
1.15
